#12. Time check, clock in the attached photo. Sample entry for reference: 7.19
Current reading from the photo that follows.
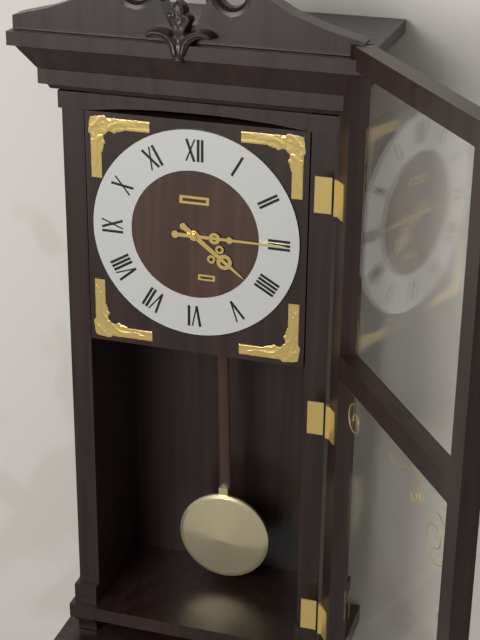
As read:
4.15
